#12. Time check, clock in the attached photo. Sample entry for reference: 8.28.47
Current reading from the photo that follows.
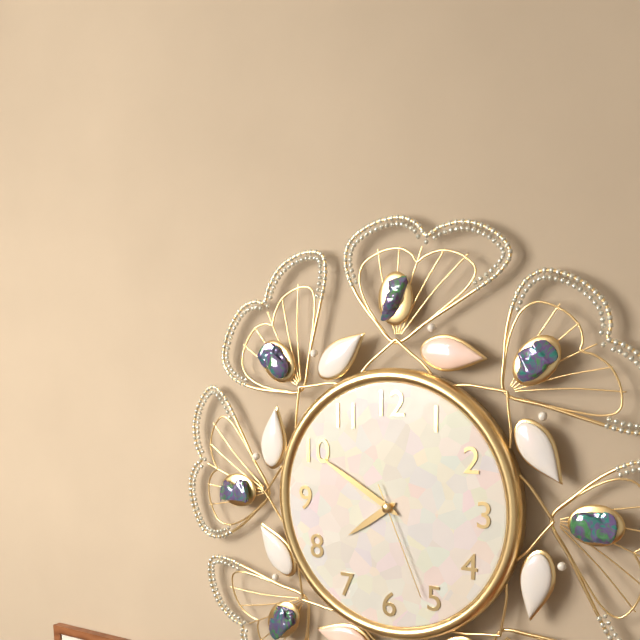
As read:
7.50.26
